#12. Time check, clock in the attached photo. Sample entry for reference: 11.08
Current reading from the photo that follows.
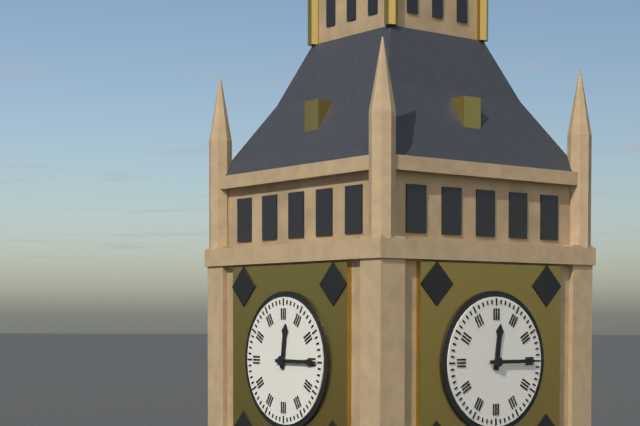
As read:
12.15
